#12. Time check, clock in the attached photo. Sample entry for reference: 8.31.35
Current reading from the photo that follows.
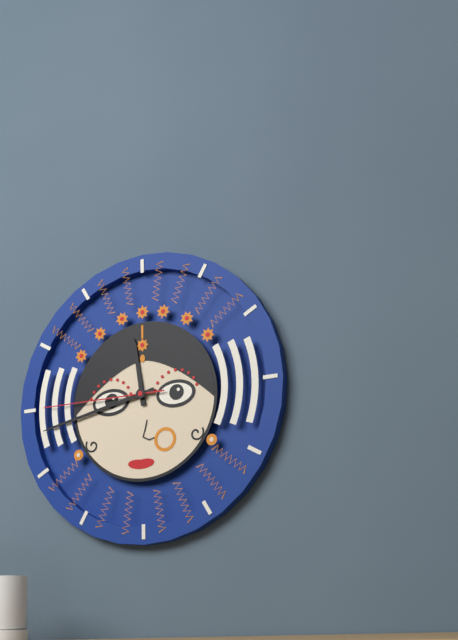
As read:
11.43.45
